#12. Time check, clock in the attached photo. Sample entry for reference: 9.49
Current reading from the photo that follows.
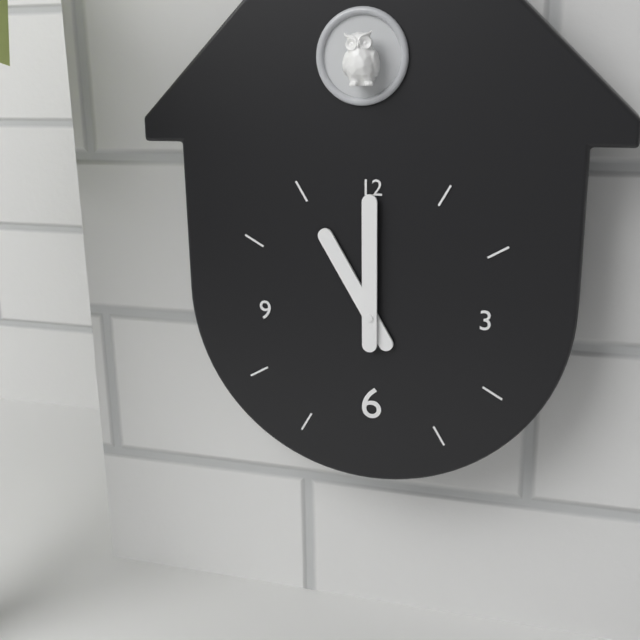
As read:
11.00
